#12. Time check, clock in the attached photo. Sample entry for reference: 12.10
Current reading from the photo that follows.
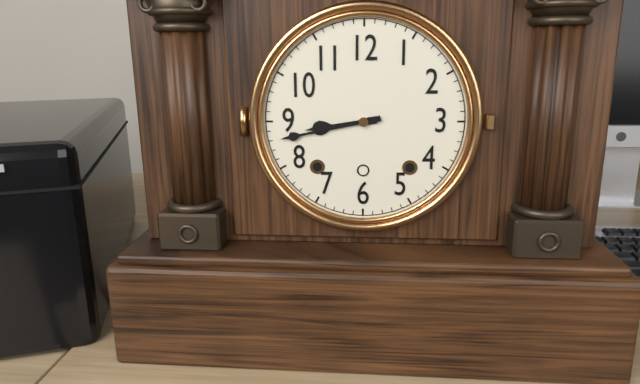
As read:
8.43
